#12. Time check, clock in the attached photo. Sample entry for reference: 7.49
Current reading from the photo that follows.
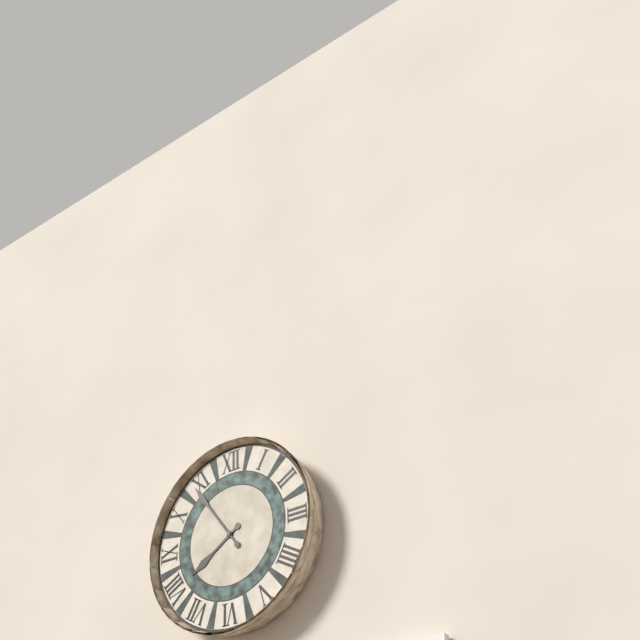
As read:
7.54
